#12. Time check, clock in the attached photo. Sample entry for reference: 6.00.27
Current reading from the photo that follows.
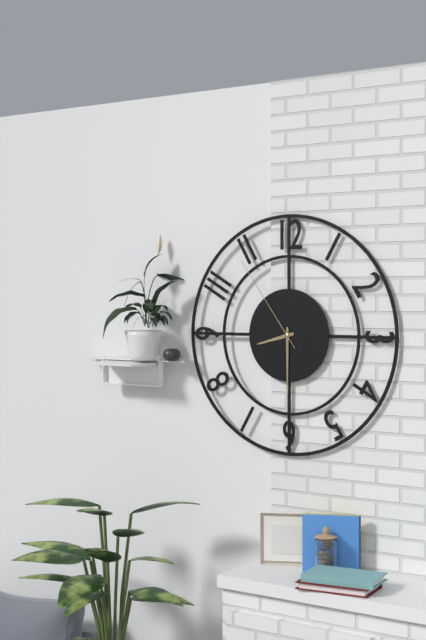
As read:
8.30.54
